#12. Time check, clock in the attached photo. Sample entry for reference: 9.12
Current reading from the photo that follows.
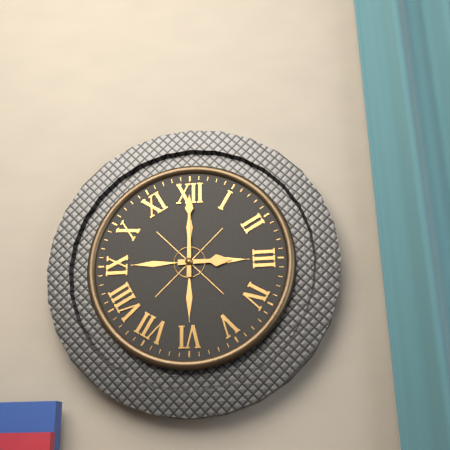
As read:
3.00
